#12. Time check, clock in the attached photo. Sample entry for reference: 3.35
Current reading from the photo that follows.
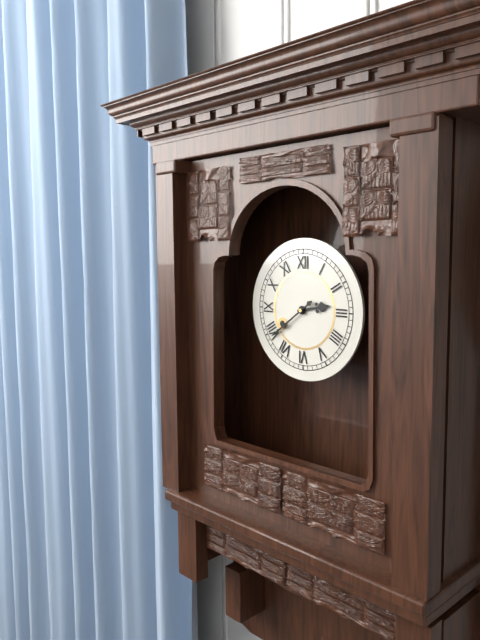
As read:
2.39
